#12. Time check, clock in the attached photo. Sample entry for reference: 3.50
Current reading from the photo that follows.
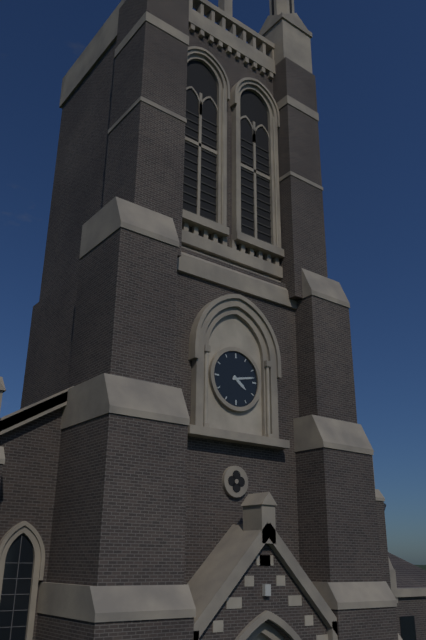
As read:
4.13
